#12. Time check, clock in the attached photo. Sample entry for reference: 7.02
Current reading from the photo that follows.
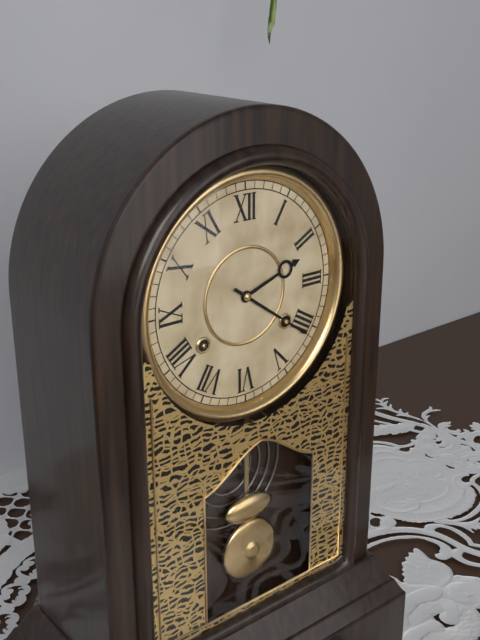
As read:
2.21
